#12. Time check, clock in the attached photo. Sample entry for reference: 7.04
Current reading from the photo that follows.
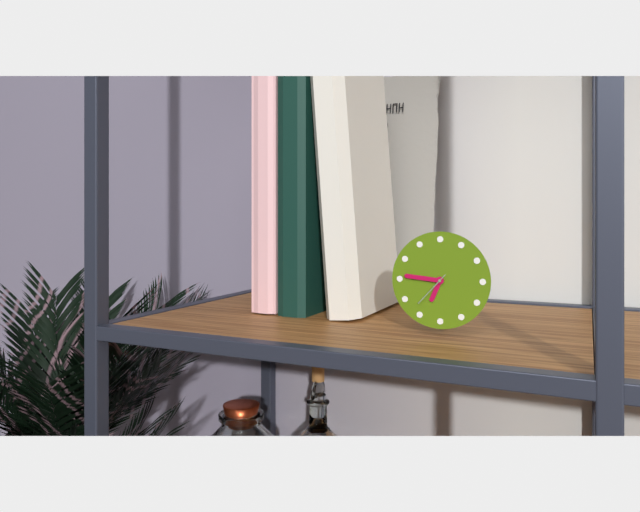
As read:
6.46
